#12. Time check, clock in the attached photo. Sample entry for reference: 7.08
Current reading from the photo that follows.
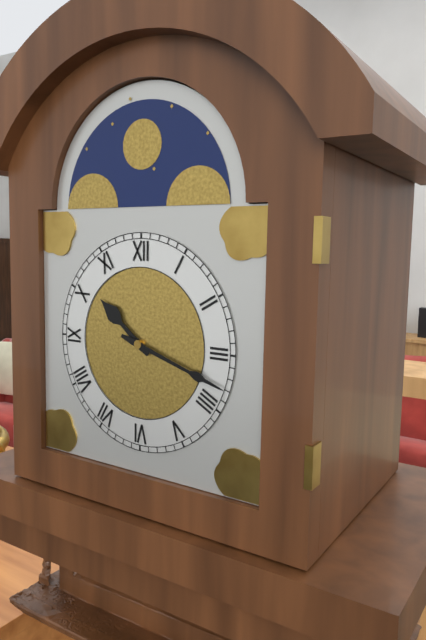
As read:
10.18
